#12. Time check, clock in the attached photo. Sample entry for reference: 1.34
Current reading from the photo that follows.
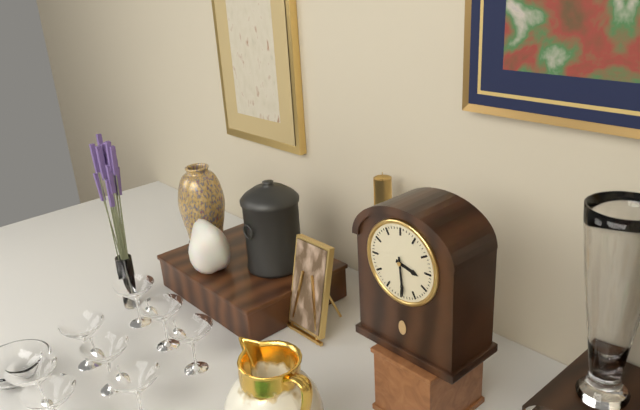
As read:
3.29
